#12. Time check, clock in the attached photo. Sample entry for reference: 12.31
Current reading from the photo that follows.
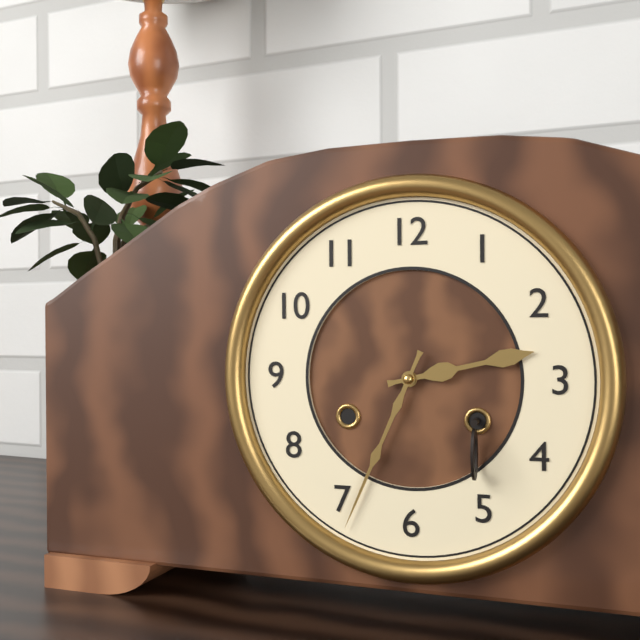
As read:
2.34
